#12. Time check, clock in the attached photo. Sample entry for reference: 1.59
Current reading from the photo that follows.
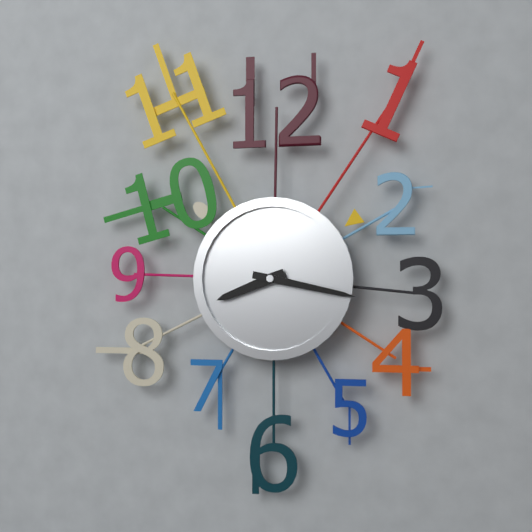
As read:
8.17
